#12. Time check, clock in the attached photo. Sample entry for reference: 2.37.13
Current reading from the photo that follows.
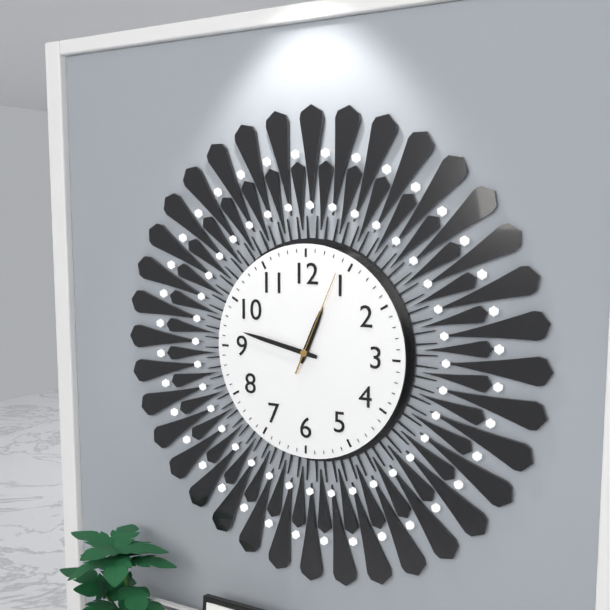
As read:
12.47.04
